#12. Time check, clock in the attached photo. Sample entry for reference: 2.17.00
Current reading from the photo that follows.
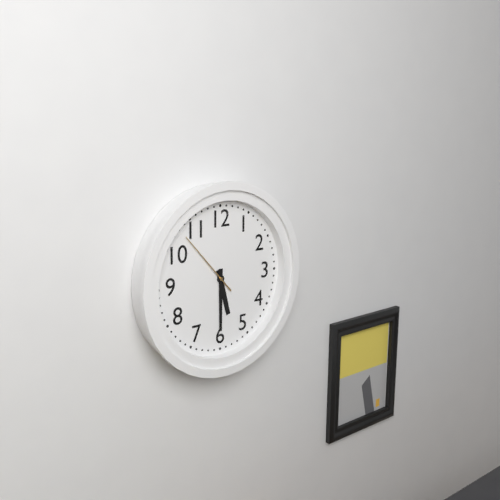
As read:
5.30.53
